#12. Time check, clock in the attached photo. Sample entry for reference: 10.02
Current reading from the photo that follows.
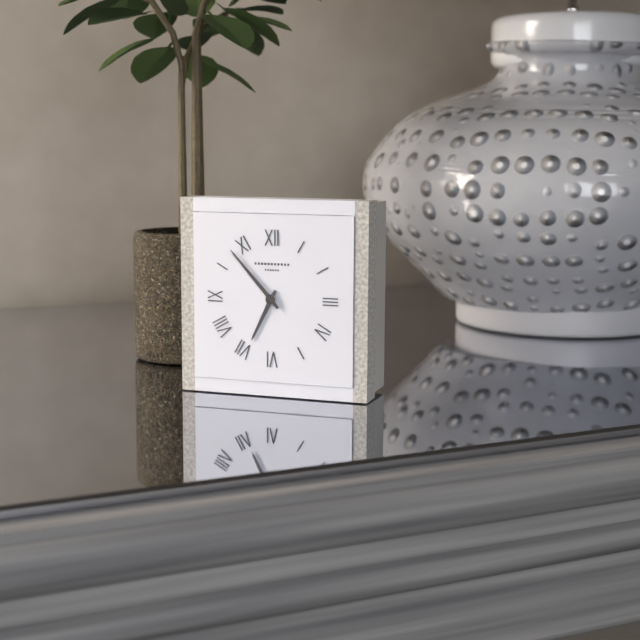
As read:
6.53
